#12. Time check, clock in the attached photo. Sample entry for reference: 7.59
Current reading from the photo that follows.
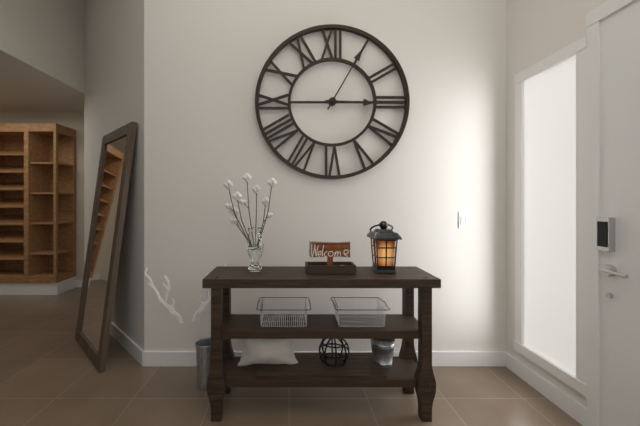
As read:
3.05
